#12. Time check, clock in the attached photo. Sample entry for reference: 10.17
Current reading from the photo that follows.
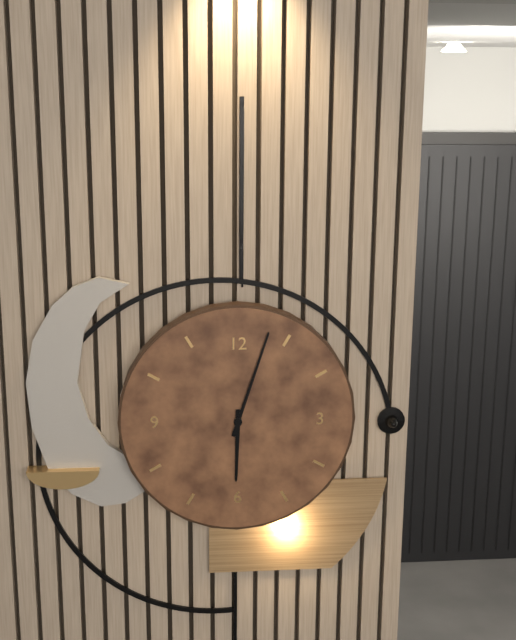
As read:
6.03
